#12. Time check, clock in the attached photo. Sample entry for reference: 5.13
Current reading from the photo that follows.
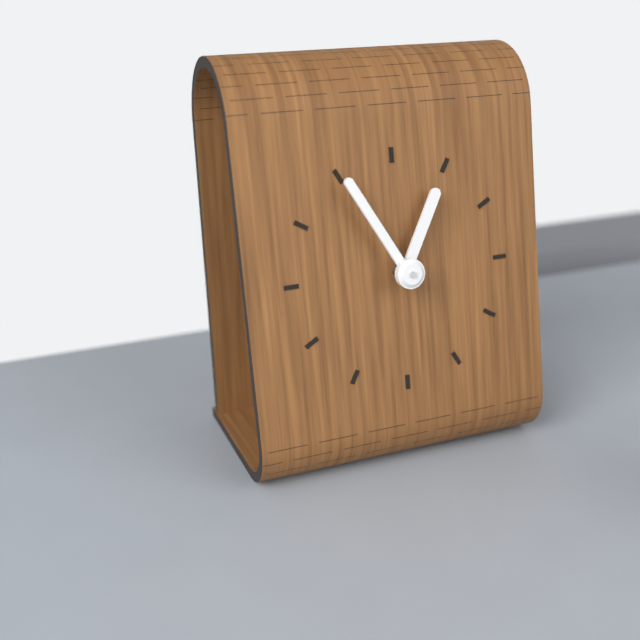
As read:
12.55
